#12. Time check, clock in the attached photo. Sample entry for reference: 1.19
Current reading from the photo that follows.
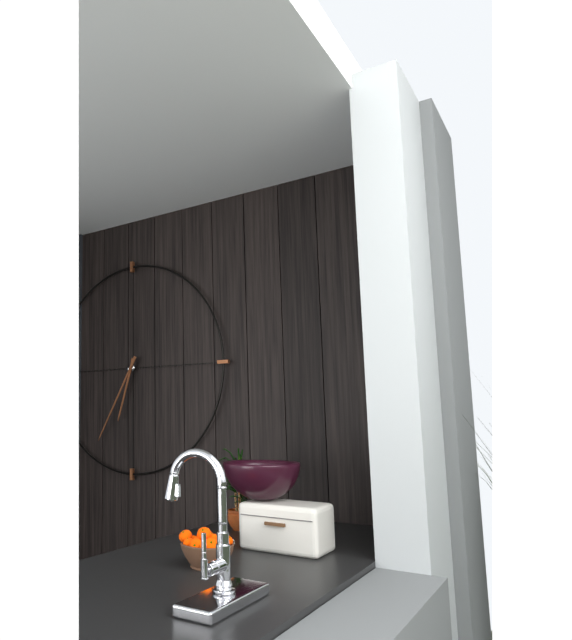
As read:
6.35
